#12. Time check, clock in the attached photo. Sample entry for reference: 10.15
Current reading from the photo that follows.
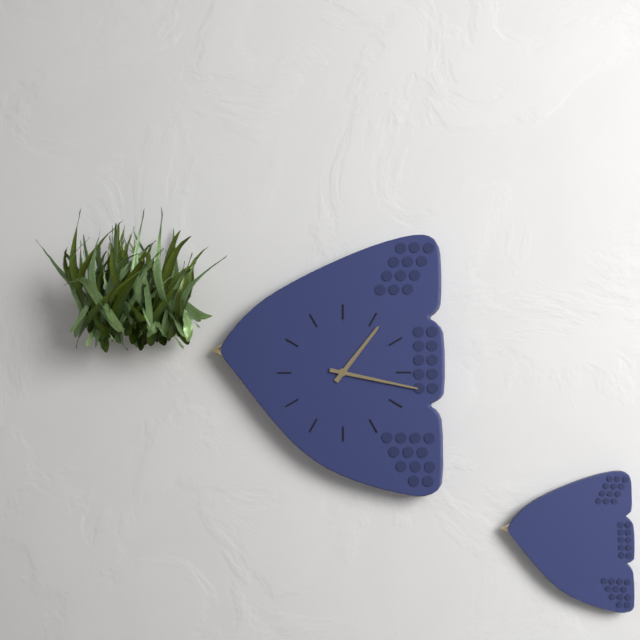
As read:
1.17
